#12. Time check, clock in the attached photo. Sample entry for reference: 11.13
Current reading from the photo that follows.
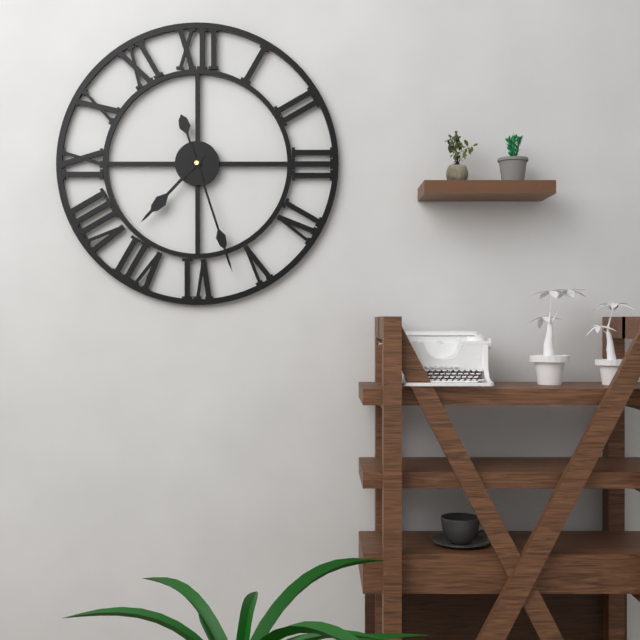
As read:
7.27
